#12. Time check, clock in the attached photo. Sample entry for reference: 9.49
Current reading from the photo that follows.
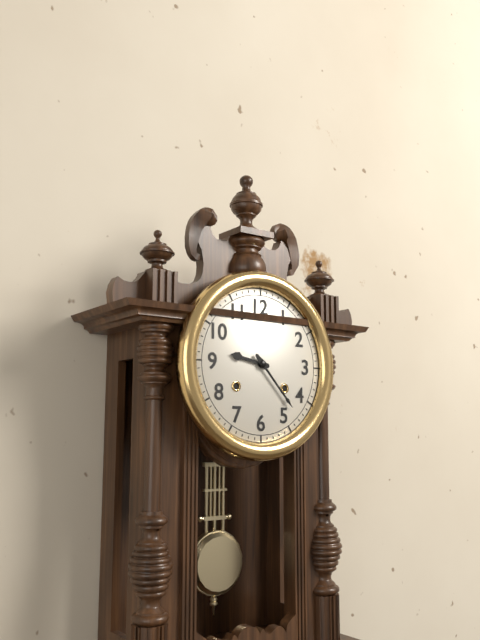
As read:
9.23
